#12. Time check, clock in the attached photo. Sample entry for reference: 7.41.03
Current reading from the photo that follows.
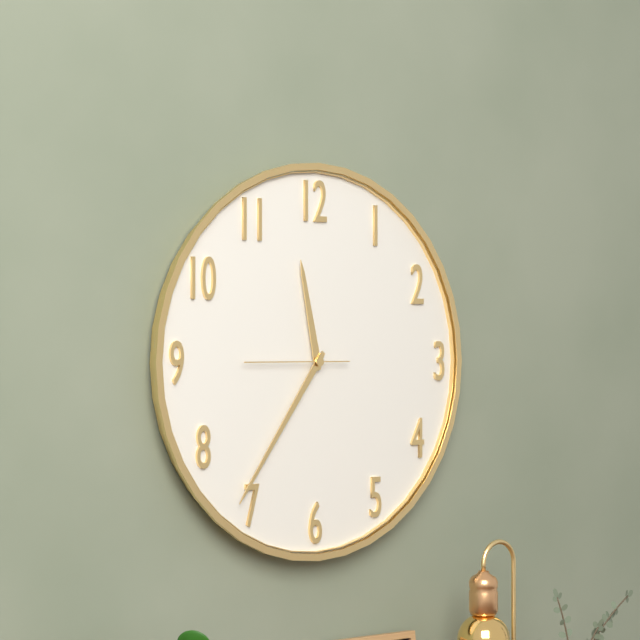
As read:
11.36.45
